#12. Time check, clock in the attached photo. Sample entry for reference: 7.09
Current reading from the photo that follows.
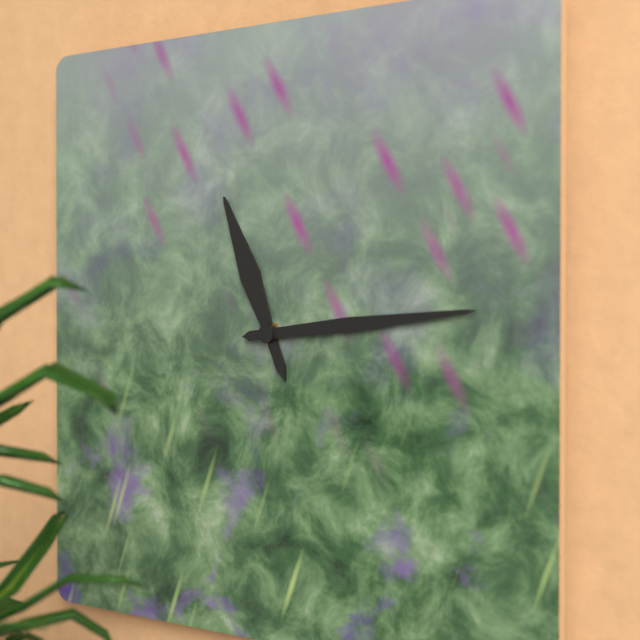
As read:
11.14
